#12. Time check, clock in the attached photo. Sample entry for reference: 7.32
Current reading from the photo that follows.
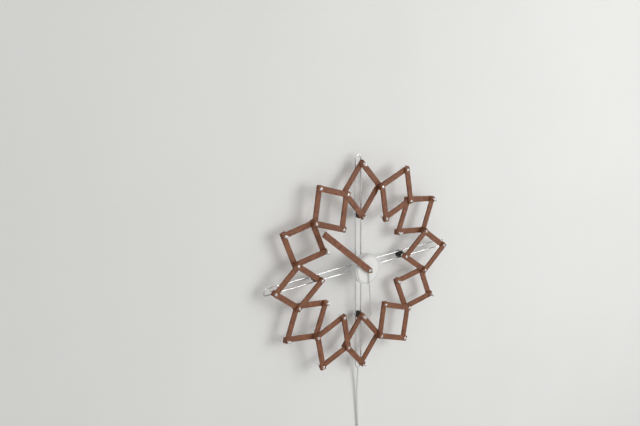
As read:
5.52
